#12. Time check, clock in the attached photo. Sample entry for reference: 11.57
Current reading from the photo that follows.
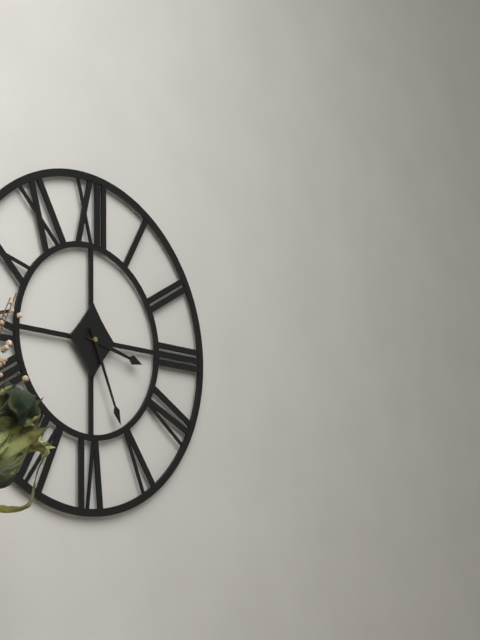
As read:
3.26
